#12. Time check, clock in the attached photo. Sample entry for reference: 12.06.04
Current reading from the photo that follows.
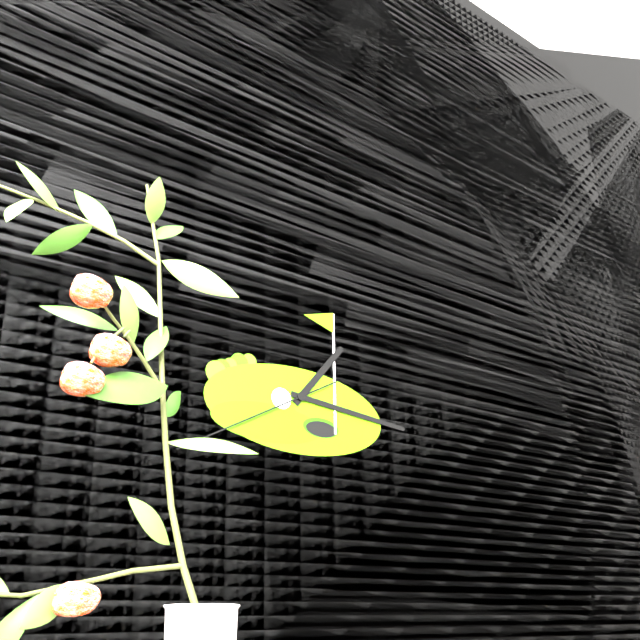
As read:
1.16.40
